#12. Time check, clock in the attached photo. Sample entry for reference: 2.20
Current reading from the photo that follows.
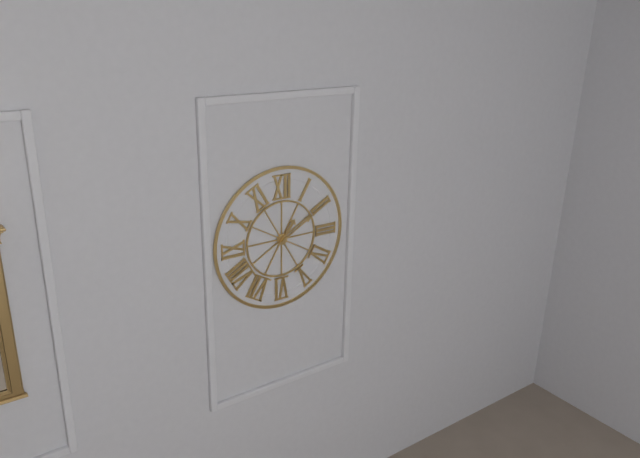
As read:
1.10
